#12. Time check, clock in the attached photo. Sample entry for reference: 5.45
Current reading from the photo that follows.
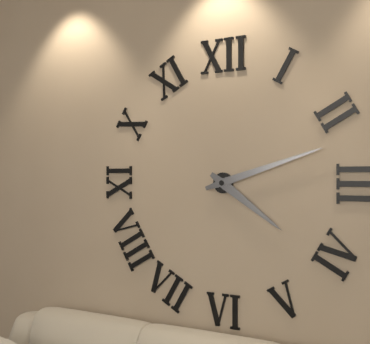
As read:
4.12
